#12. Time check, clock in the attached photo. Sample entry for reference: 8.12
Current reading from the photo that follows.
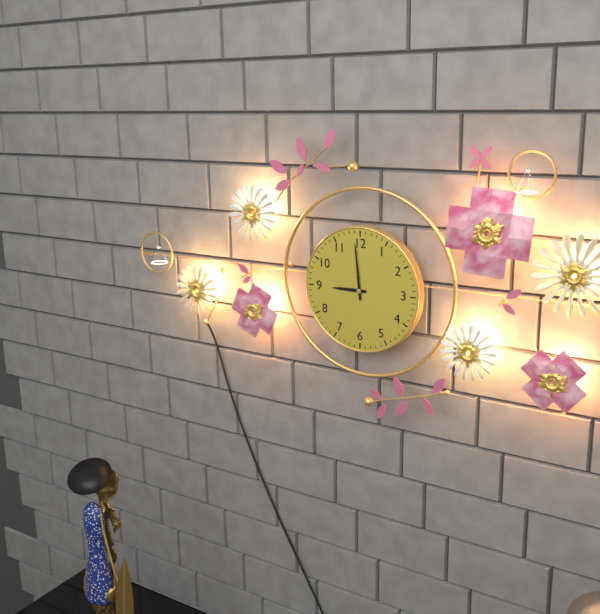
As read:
8.59
